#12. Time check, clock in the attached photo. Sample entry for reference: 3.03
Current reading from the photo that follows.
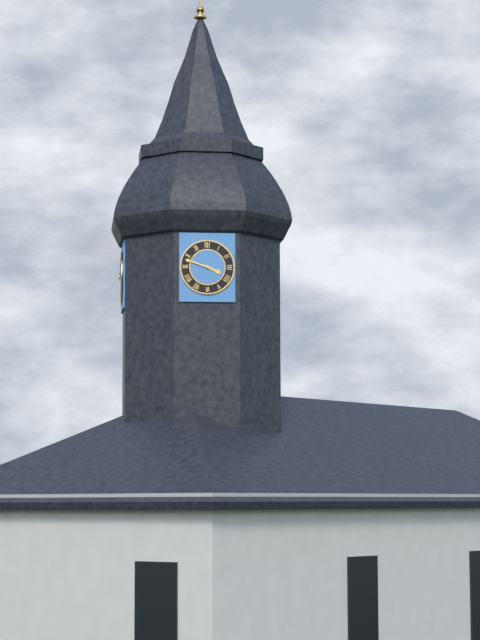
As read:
3.48
